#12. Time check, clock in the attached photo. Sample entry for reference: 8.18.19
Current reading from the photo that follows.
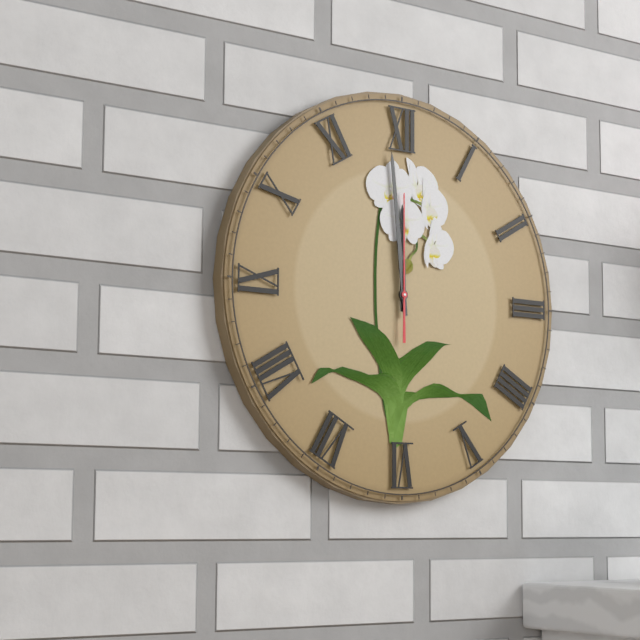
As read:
11.59.00
